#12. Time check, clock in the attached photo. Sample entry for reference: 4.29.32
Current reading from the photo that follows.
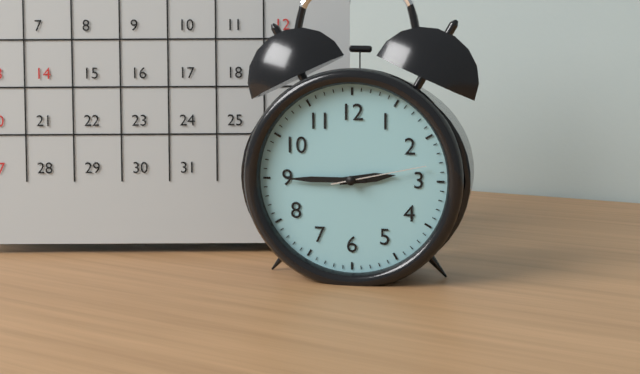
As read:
2.45.13
